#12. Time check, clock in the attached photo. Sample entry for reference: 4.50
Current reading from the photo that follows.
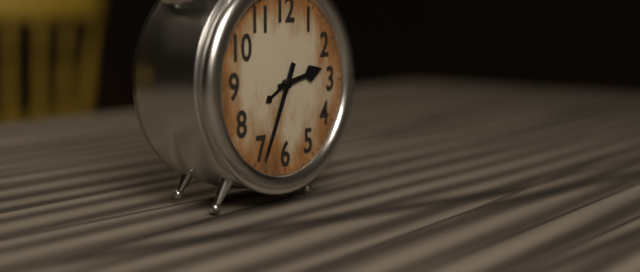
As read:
2.34
